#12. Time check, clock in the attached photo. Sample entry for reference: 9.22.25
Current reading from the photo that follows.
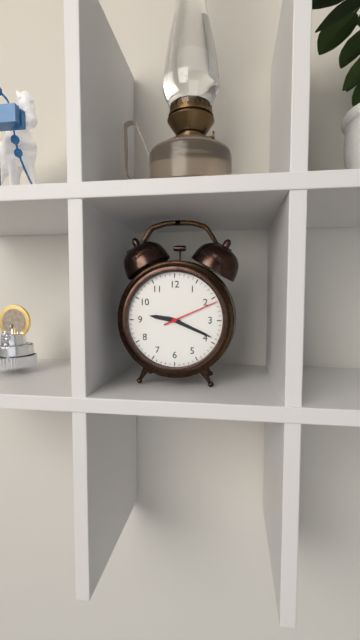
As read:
9.19.11
